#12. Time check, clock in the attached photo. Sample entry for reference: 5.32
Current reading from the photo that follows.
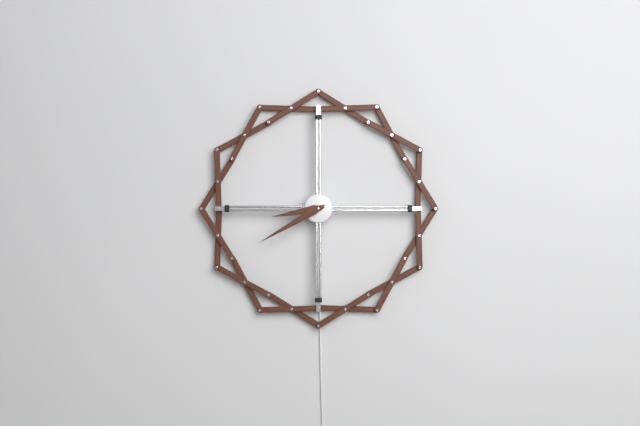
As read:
8.40
